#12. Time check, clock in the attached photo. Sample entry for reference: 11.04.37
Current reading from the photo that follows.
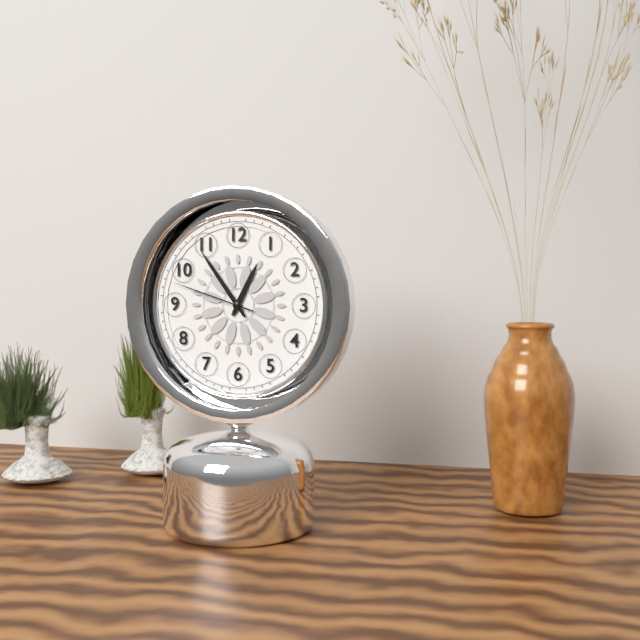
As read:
12.54.48
